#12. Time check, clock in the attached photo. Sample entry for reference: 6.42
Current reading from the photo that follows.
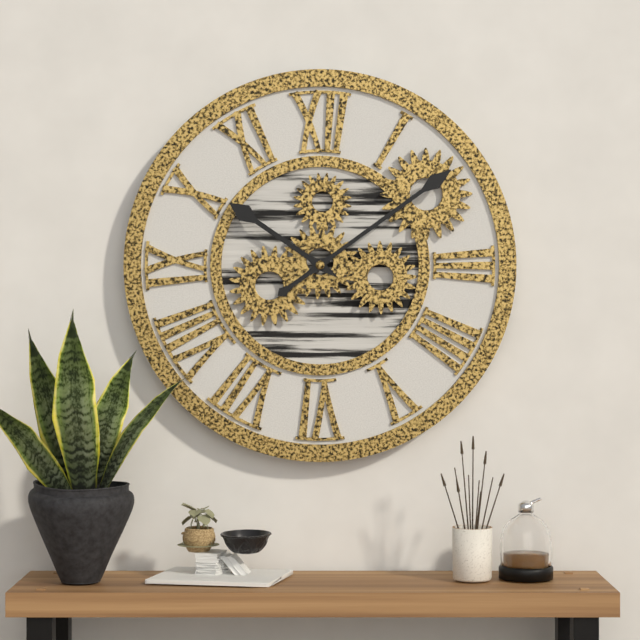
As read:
10.09
